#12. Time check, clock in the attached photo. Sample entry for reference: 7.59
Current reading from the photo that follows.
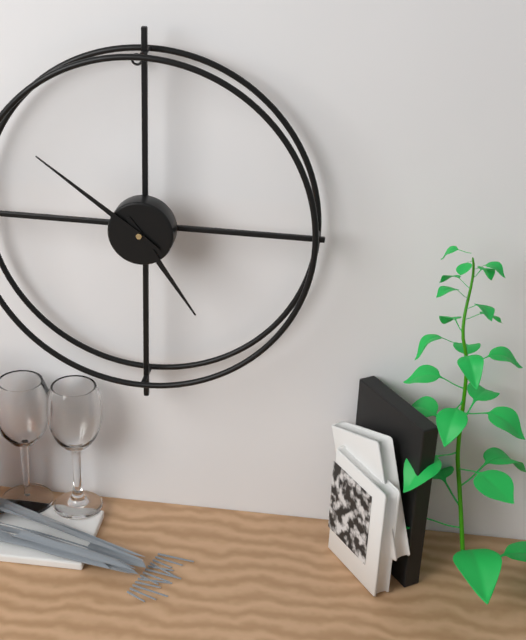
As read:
4.51
